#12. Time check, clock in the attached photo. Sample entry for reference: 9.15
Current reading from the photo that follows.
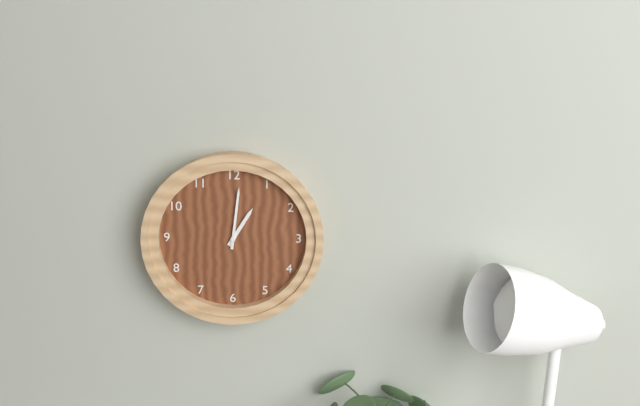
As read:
1.01
